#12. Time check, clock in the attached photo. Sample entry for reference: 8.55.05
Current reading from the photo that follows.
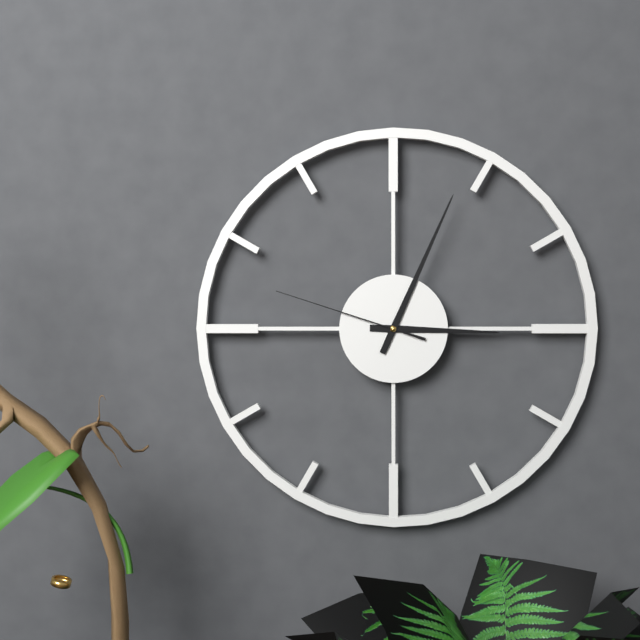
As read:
3.04.48
